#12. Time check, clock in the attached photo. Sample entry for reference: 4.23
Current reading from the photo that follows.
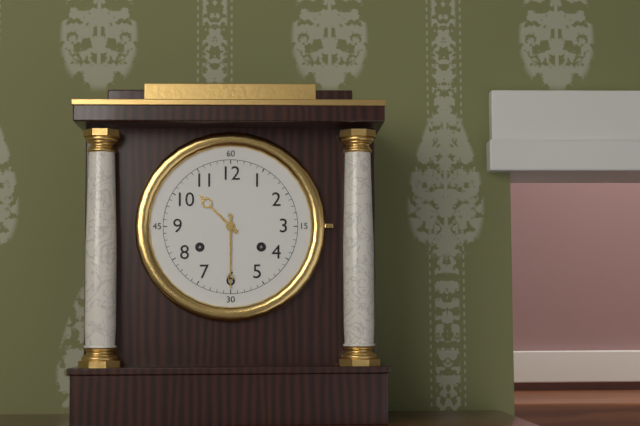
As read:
10.30
